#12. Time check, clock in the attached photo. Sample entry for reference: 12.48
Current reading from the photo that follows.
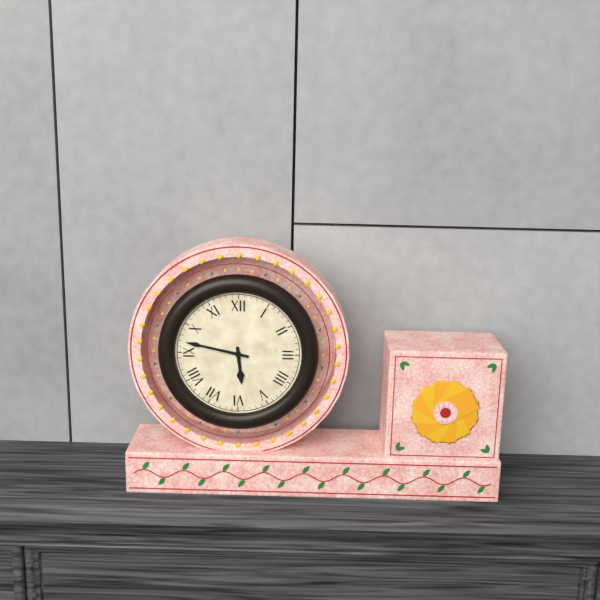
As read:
5.47
